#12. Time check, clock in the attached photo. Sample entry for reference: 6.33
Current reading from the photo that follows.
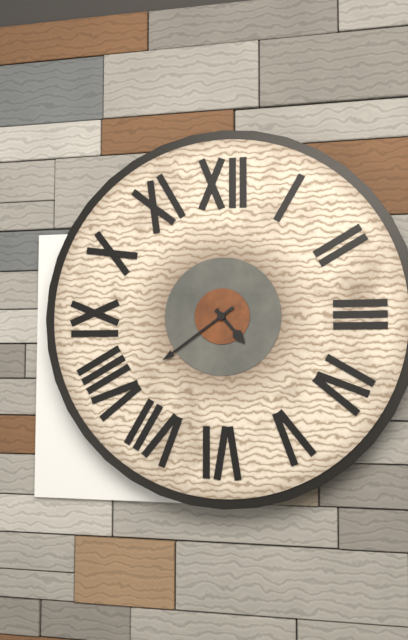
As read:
4.39
